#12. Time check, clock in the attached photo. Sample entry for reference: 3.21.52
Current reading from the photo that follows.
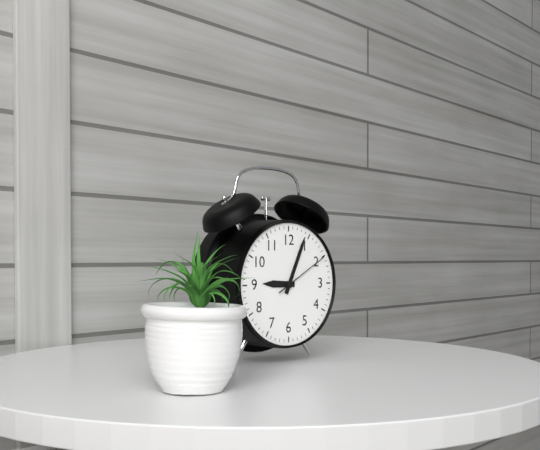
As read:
9.04.10
